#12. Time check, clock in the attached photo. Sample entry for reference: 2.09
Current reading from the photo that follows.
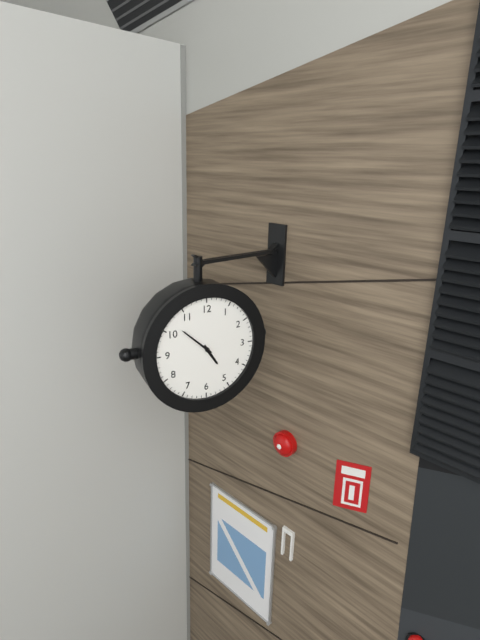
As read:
4.52
